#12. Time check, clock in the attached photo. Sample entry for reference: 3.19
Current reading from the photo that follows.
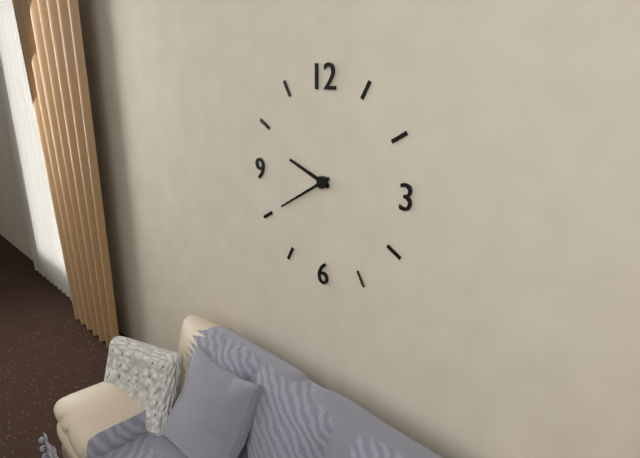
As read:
9.40
